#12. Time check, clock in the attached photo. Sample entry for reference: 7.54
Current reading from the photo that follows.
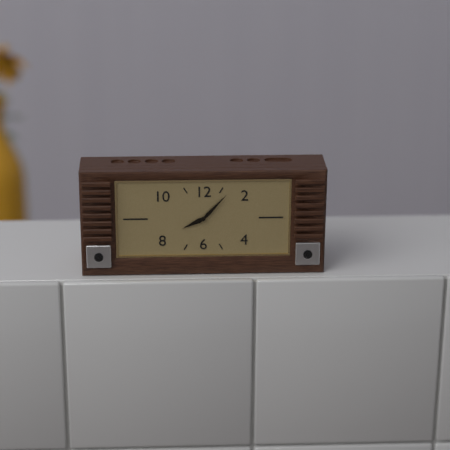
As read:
8.07
